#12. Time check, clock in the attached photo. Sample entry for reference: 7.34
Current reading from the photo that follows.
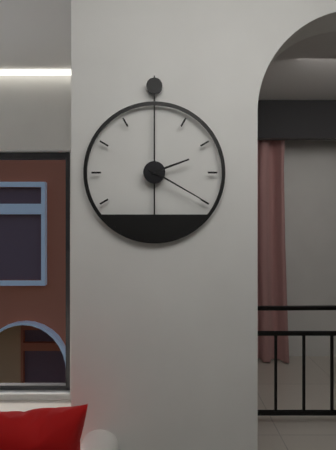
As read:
2.20
